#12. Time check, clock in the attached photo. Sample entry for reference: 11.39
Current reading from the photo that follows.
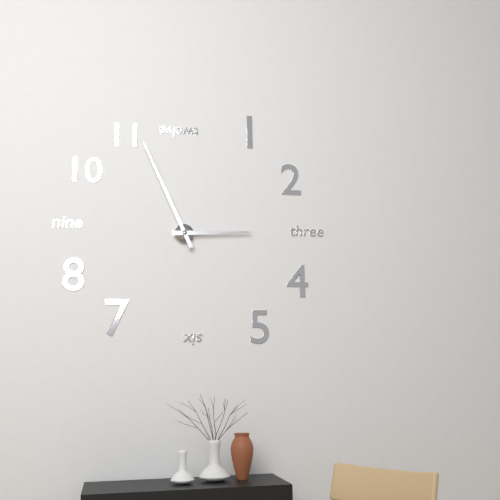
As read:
2.56
